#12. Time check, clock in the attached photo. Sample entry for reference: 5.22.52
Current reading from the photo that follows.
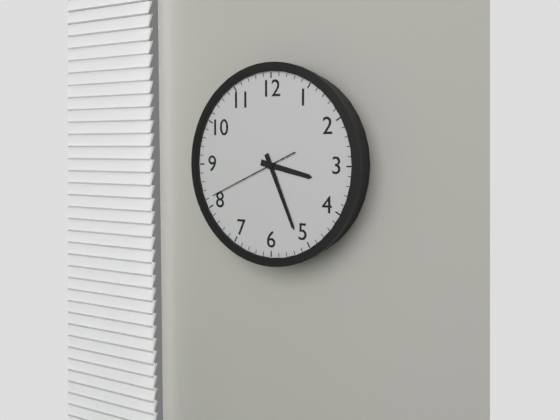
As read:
3.26.41
